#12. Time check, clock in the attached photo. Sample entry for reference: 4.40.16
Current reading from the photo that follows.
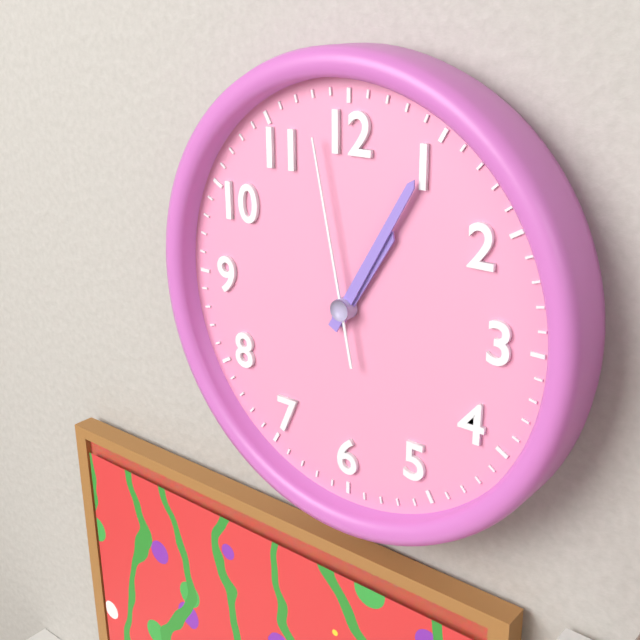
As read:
1.05.58
